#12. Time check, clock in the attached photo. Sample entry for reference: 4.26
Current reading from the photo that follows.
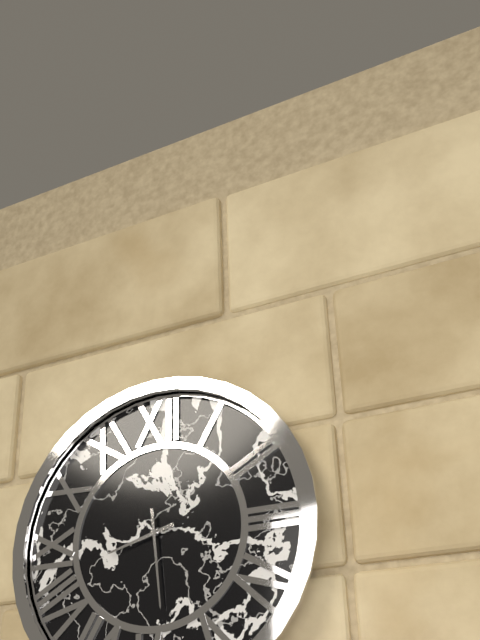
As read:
8.29
